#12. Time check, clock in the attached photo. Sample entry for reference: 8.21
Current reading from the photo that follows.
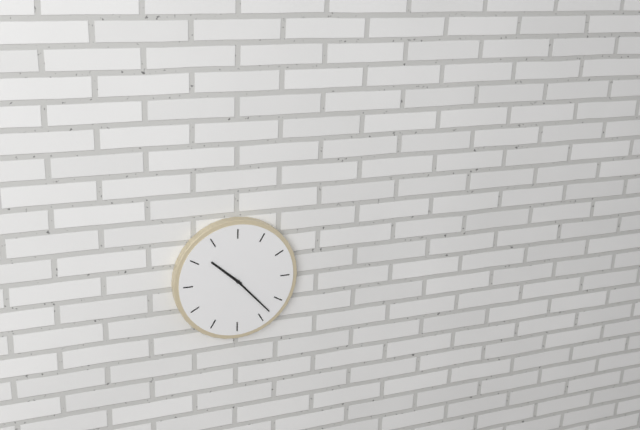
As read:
10.23
